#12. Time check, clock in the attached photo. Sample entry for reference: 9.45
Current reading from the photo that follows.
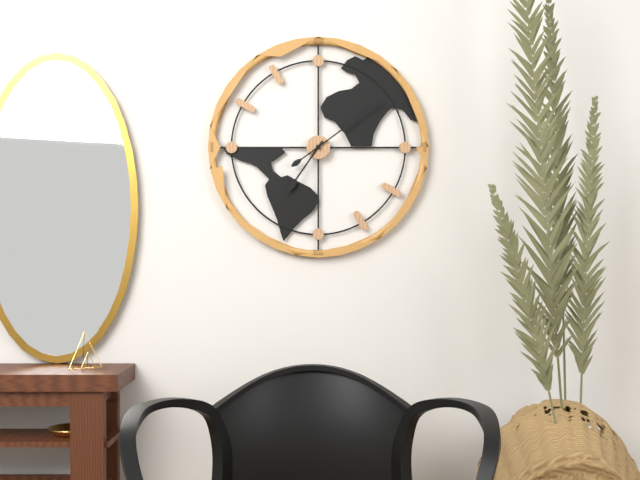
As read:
7.09
